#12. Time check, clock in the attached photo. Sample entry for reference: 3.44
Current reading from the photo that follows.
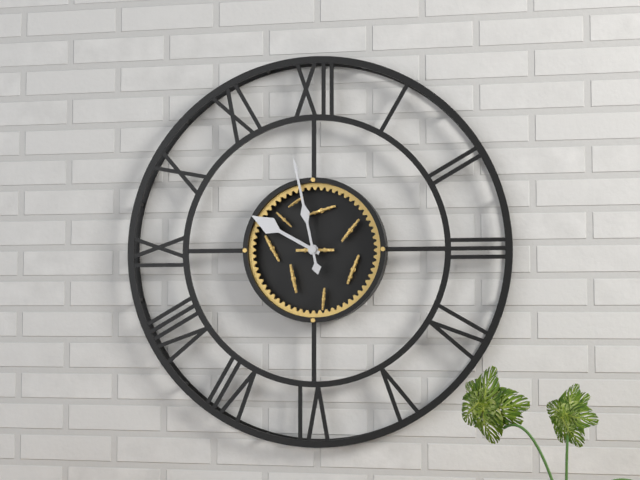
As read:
9.58
